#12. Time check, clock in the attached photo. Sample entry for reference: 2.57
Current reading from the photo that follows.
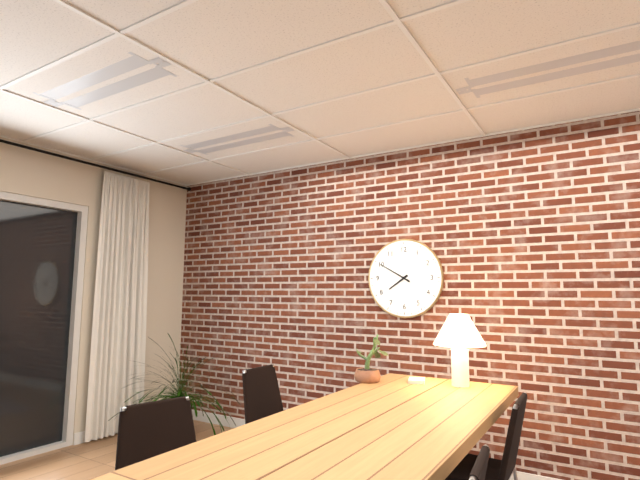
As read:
7.50
